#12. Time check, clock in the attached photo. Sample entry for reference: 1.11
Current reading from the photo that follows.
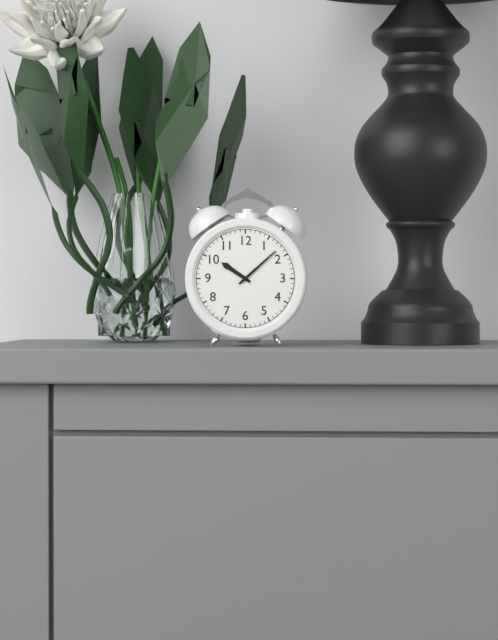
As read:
10.08
